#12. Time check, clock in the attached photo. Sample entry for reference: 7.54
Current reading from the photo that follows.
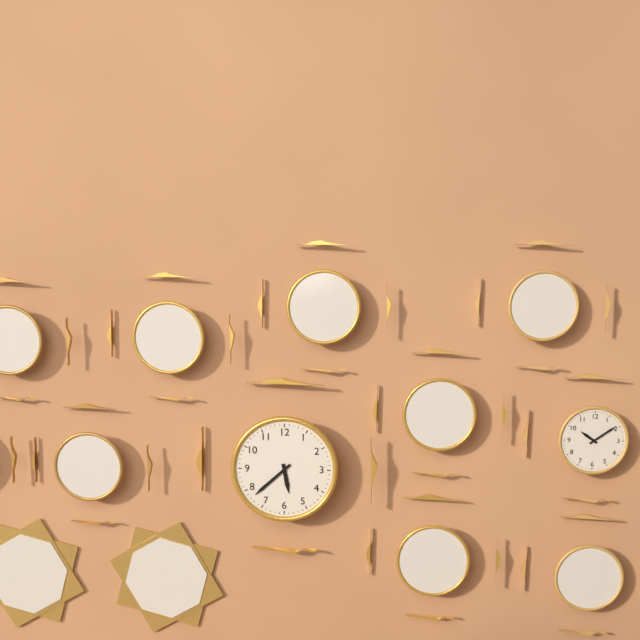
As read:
5.38
